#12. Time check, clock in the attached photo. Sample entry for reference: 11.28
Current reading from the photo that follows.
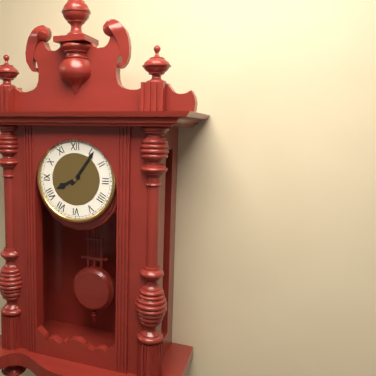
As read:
8.06
